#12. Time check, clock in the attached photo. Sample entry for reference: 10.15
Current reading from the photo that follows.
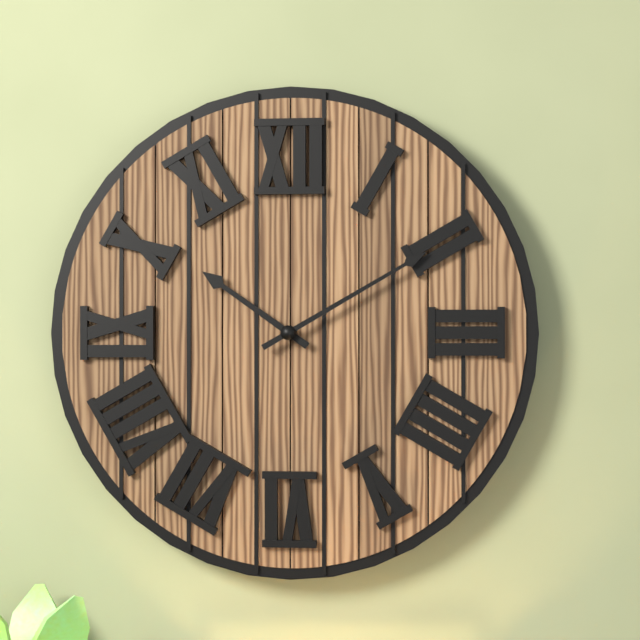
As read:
10.10
